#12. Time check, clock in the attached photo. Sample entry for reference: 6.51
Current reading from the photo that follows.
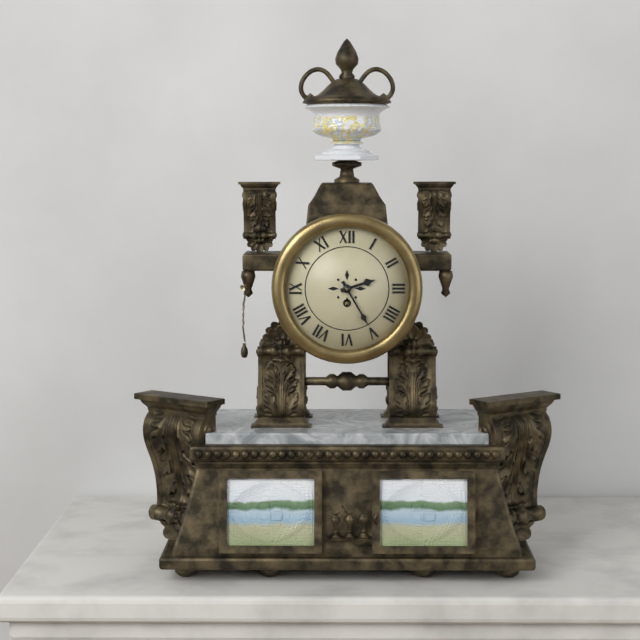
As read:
2.25
